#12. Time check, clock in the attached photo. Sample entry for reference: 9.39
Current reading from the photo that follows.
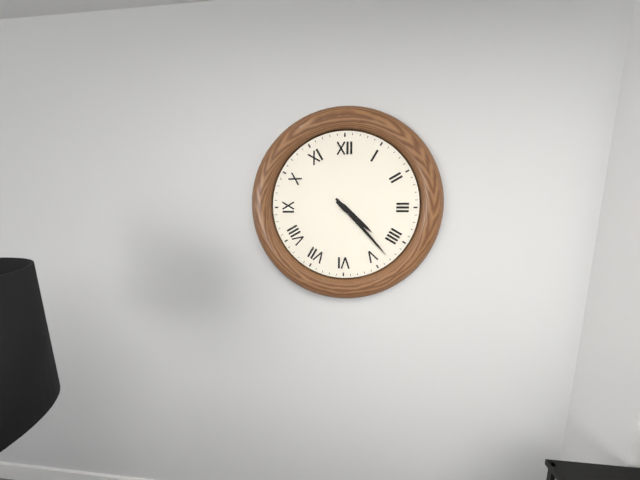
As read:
4.23
